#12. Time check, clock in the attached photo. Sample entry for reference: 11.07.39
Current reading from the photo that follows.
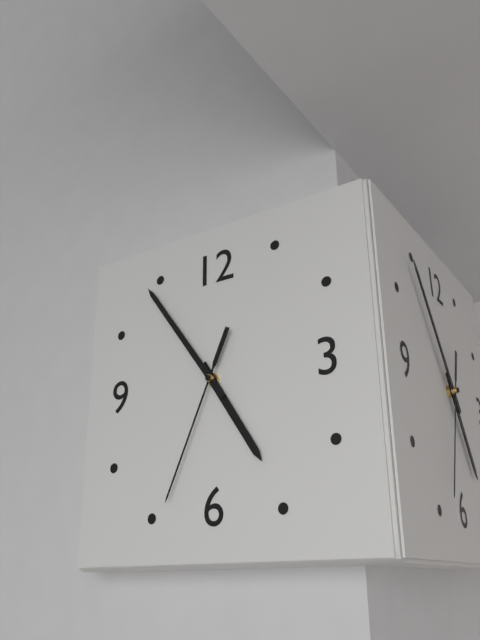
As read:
4.54.34
